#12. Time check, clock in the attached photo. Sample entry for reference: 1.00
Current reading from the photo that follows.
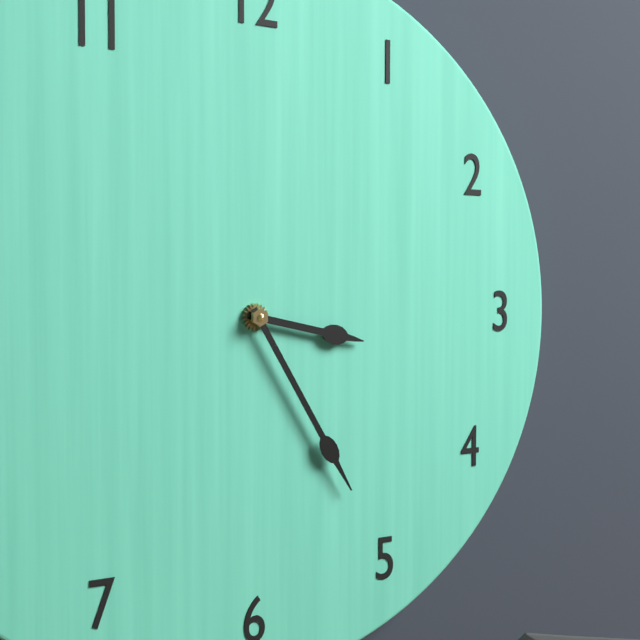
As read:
3.25
